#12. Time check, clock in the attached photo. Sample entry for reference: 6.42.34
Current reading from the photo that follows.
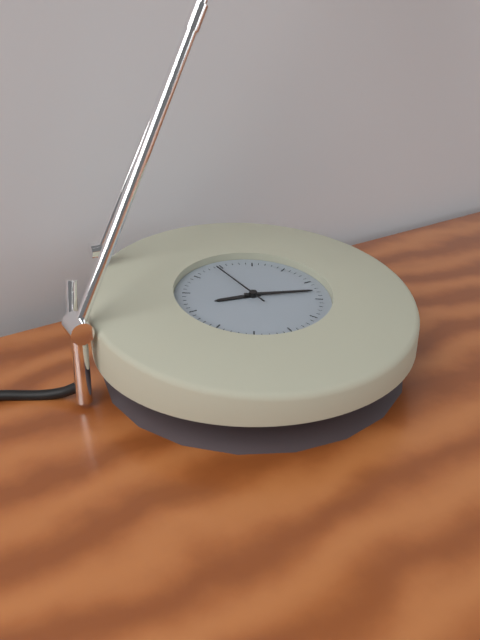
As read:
9.18.59
